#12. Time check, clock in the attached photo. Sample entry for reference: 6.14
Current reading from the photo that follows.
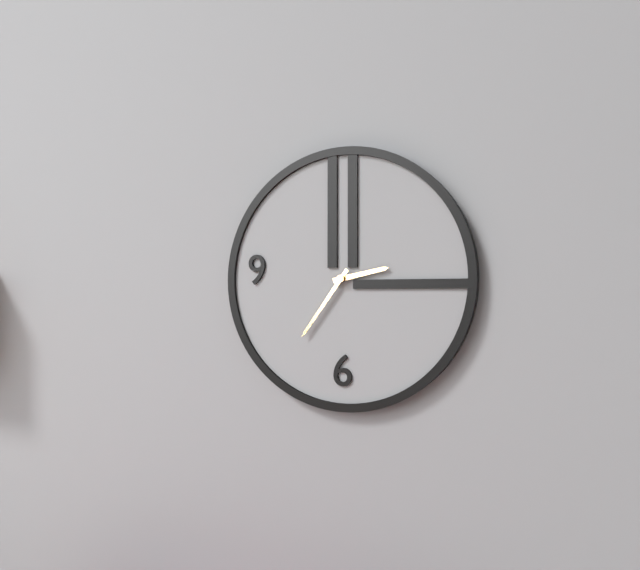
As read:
2.36
